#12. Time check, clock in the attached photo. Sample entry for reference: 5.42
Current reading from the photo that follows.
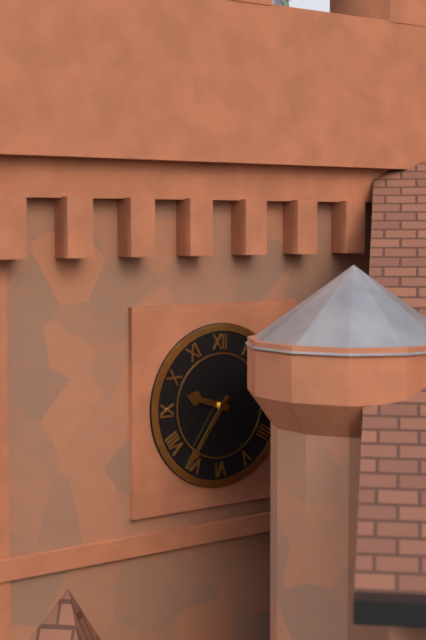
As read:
9.36
